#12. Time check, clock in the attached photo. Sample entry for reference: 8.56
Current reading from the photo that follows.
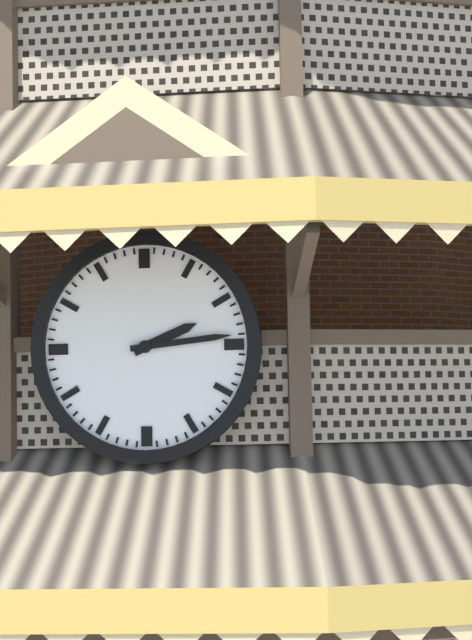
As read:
2.14
